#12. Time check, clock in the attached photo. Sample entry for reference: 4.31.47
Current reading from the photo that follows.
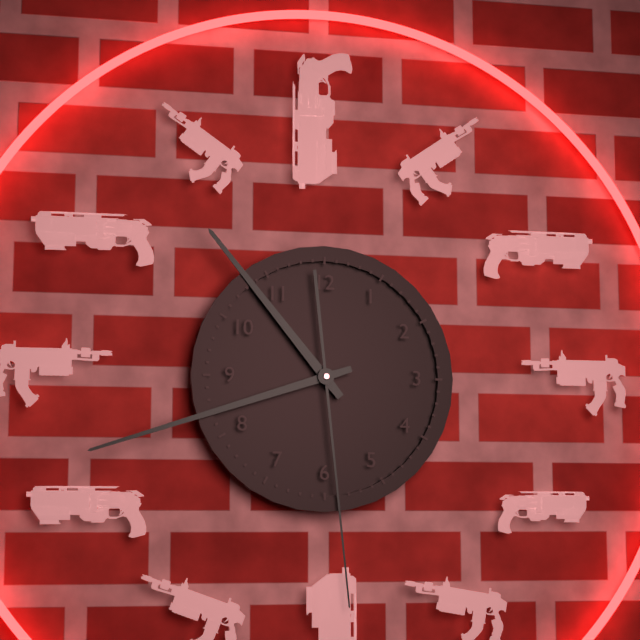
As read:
10.42.29
